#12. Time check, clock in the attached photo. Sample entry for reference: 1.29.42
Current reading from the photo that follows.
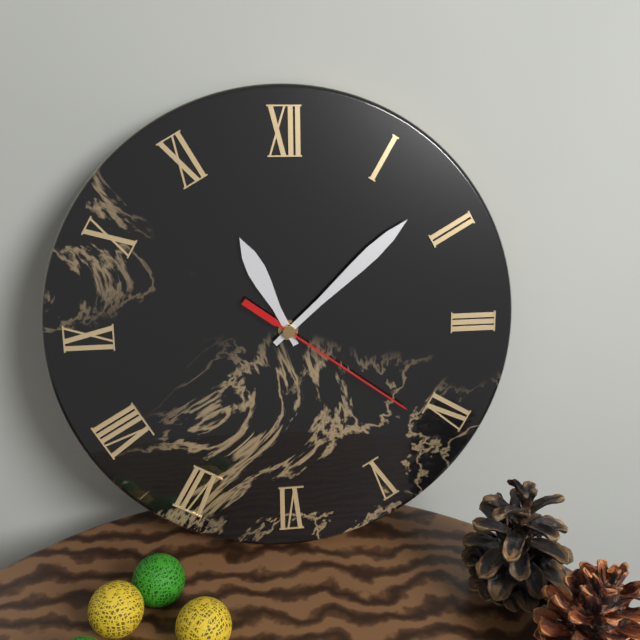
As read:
11.08.21
